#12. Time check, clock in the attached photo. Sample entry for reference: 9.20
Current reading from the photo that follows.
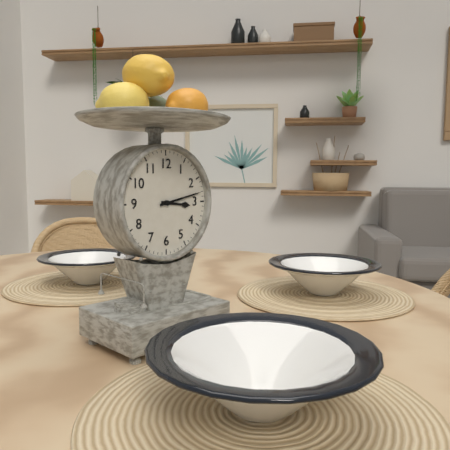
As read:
3.13
